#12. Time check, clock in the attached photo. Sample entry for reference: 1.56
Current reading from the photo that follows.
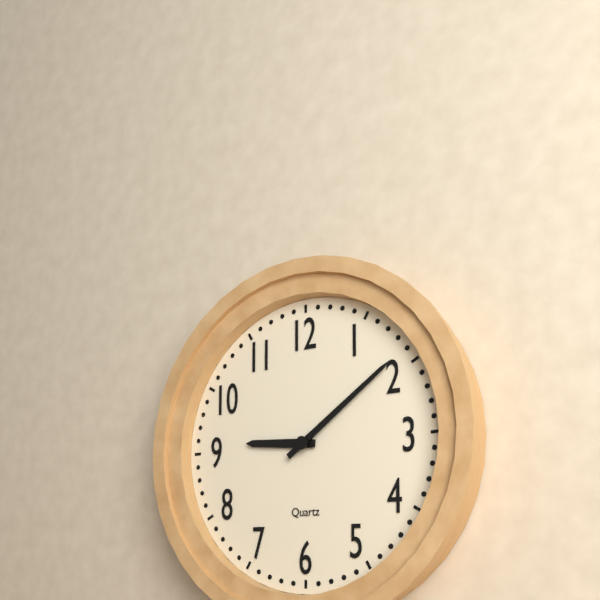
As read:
9.09
